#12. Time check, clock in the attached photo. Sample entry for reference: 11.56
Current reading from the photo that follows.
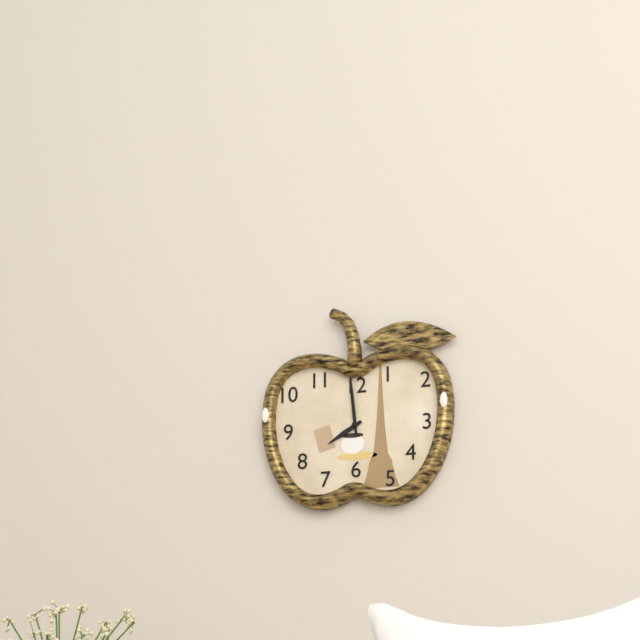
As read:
7.59
